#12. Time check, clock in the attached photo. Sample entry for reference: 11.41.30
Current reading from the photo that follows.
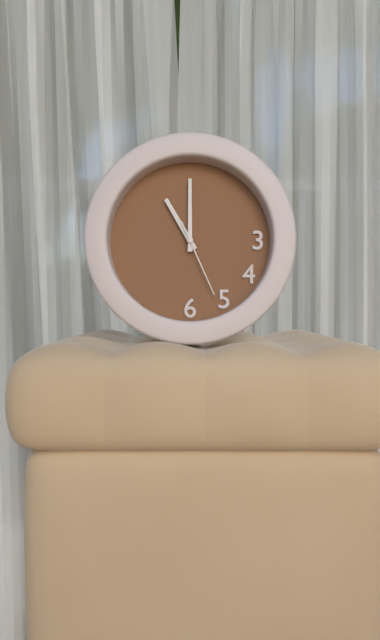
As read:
11.00.26
